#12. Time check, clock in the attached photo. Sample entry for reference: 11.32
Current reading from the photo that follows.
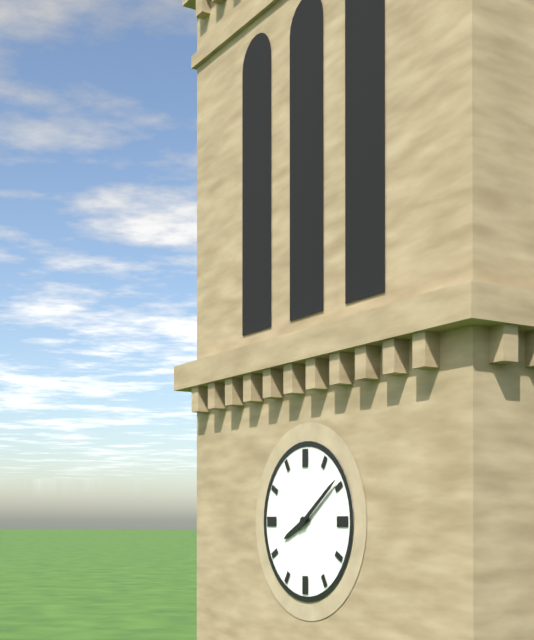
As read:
8.09
